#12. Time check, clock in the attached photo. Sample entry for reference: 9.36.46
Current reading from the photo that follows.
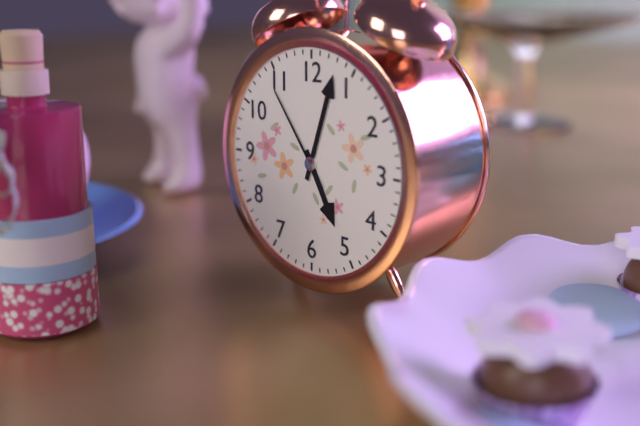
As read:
5.03.54
